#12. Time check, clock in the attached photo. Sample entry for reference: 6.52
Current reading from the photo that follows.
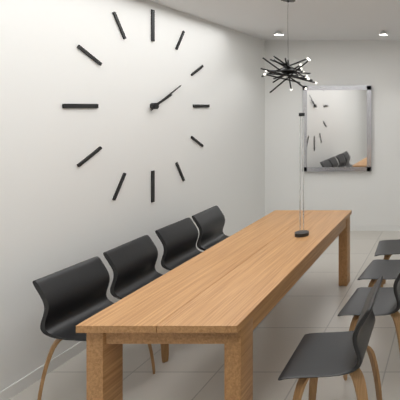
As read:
2.10
